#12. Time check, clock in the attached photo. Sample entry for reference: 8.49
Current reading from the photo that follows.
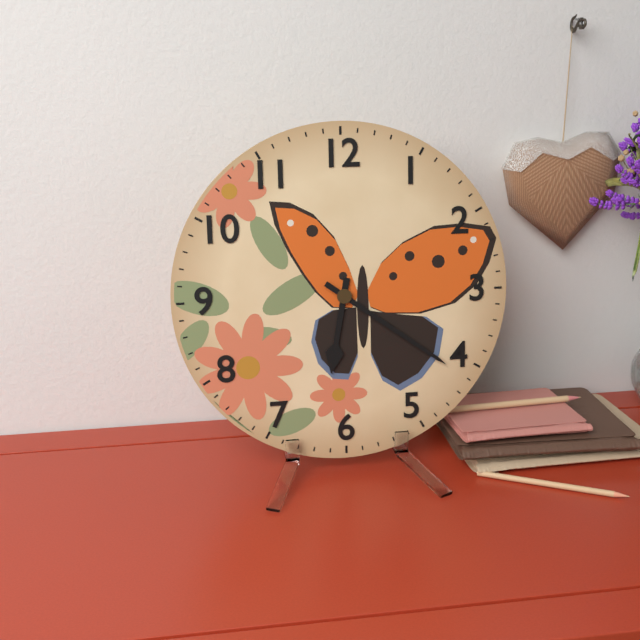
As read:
6.21
